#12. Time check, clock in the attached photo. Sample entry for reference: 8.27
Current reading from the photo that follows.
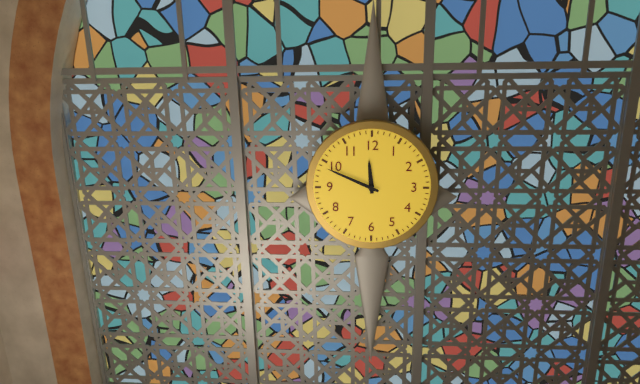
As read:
11.49
